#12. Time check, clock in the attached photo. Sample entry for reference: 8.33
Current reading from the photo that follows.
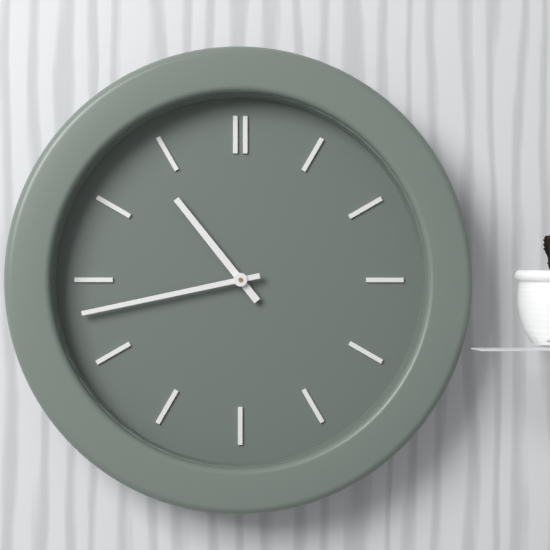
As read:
10.43
